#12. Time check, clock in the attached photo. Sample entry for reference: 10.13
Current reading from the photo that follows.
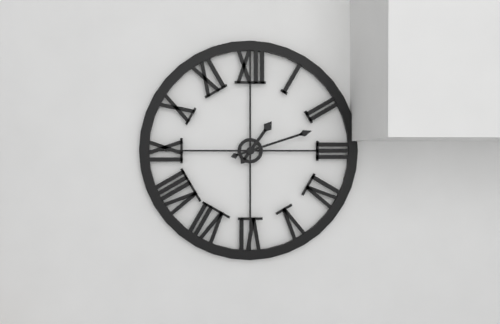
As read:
1.12
